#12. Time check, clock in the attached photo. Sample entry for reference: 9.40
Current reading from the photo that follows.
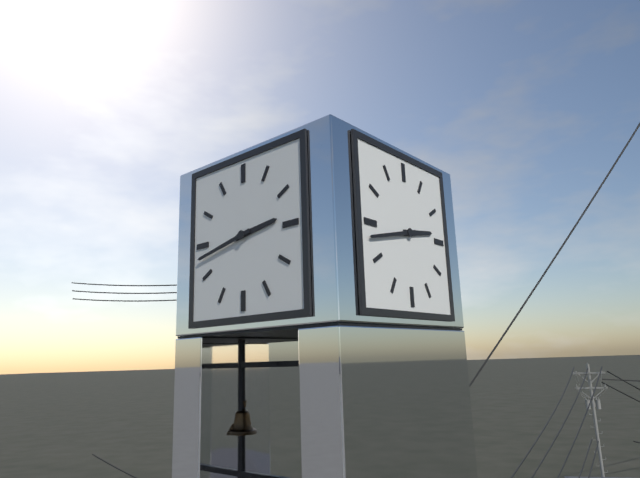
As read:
2.43
